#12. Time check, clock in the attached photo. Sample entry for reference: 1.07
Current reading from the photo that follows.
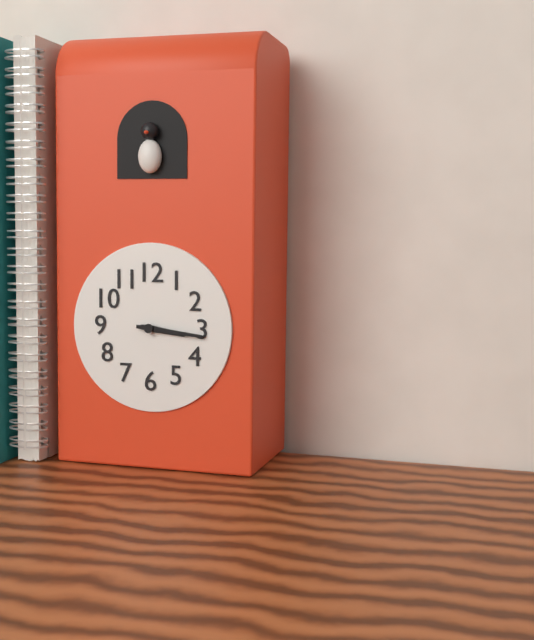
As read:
3.16
